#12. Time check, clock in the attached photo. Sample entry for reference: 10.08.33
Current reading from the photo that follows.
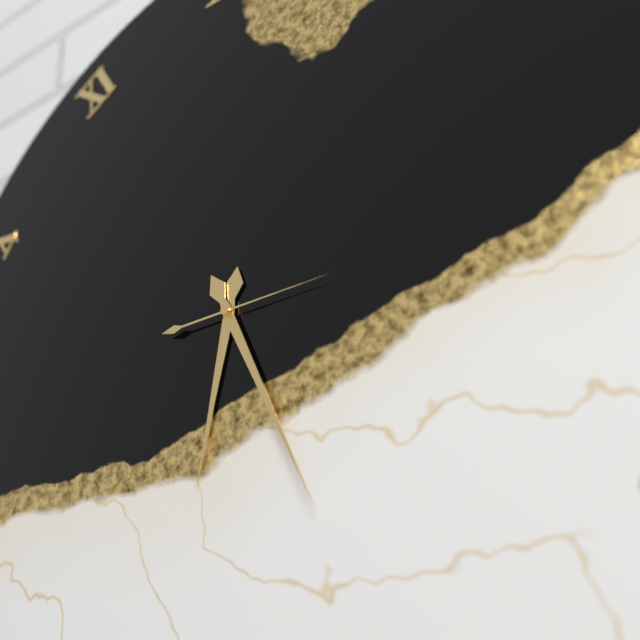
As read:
6.26.15
